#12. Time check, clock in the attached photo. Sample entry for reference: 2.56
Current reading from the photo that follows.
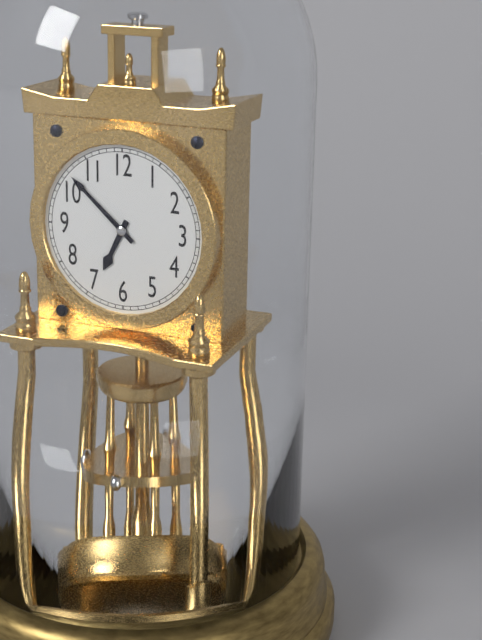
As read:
6.52
